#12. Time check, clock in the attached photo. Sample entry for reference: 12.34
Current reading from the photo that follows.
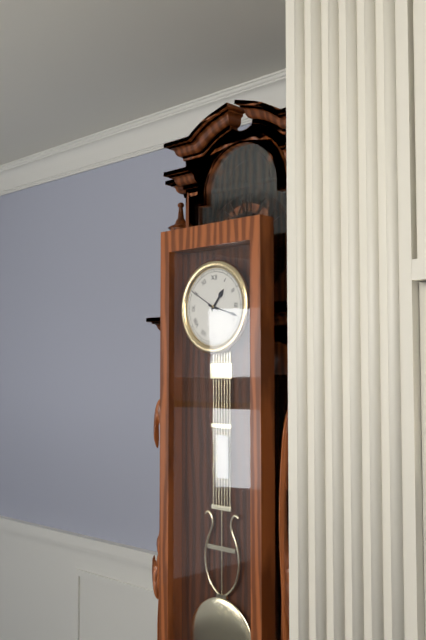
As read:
1.18
